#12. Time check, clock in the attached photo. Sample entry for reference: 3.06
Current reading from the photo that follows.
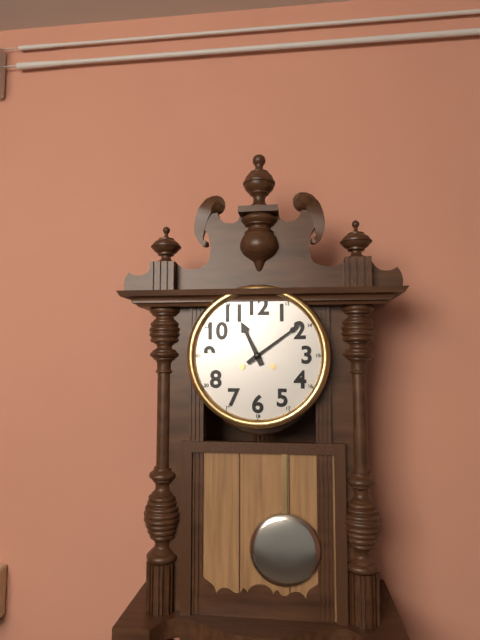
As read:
11.09
